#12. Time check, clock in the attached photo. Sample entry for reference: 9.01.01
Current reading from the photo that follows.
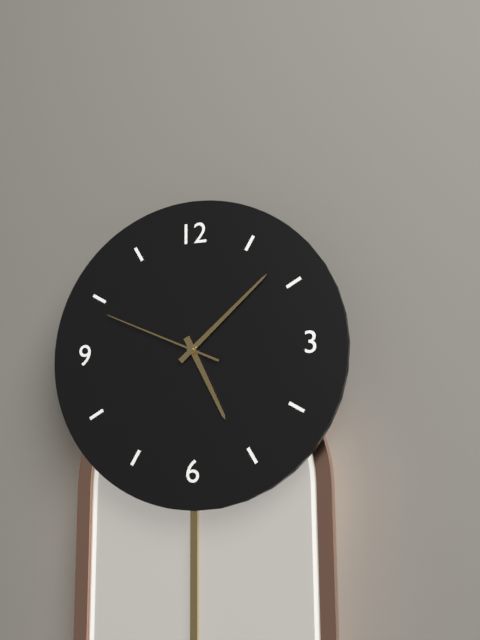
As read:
5.08.49
